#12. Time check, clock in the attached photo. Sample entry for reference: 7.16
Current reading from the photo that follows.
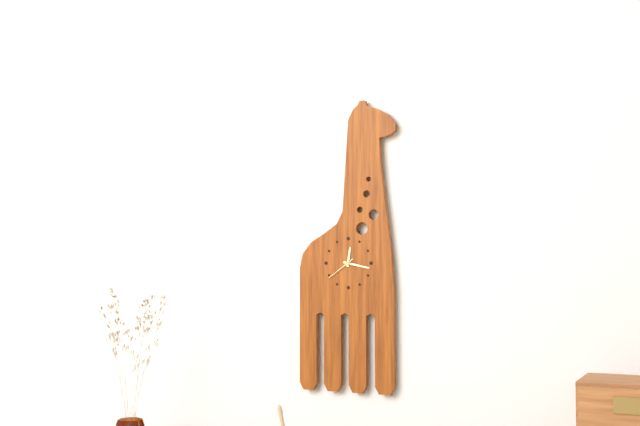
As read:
12.17
